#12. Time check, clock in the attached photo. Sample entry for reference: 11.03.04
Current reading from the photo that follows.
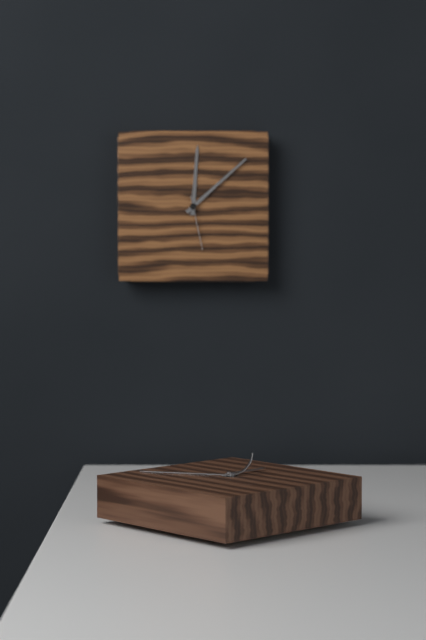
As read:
12.08.28
